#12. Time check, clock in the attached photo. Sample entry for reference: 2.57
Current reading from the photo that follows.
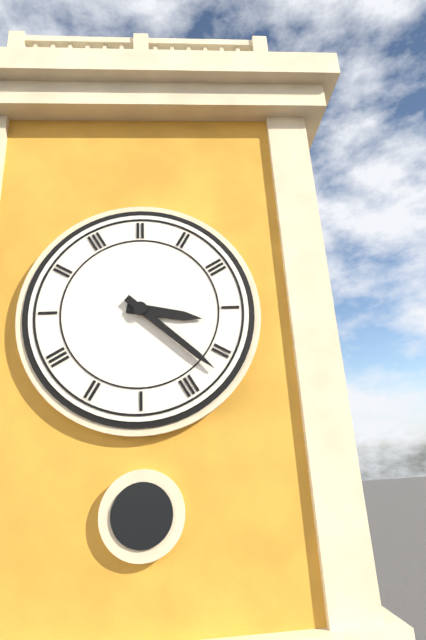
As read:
3.22
